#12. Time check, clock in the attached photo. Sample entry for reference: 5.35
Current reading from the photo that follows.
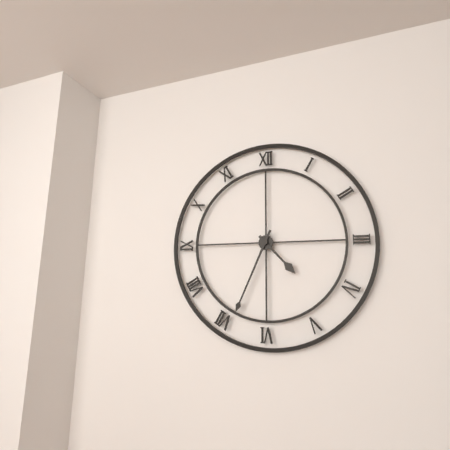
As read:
4.34
